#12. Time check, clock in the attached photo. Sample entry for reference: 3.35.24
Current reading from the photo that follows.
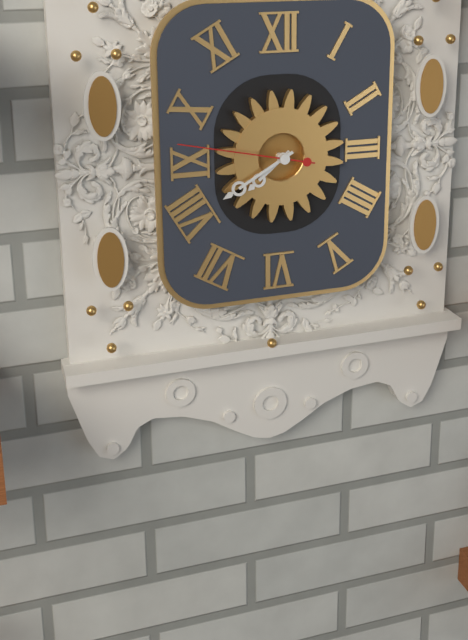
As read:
7.40.47
